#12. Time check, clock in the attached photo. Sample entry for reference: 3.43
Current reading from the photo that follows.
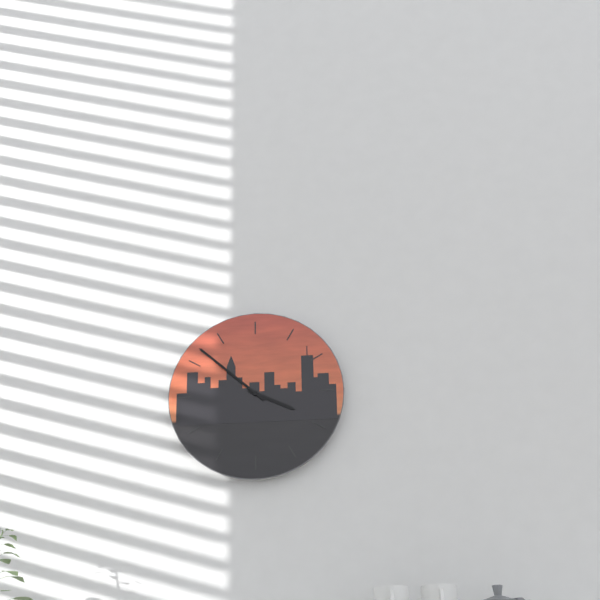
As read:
3.52
